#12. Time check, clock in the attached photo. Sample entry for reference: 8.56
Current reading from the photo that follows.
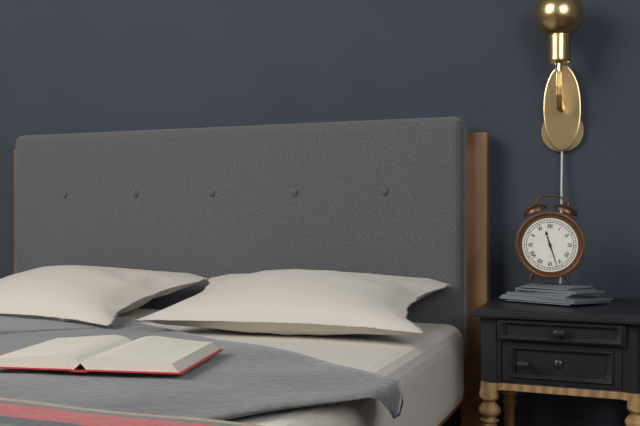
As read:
11.27
